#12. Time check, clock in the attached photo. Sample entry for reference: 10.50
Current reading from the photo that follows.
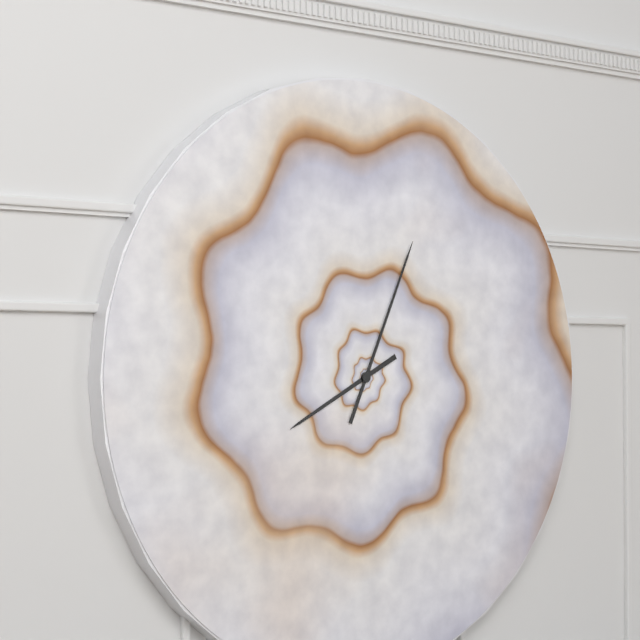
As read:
8.04
